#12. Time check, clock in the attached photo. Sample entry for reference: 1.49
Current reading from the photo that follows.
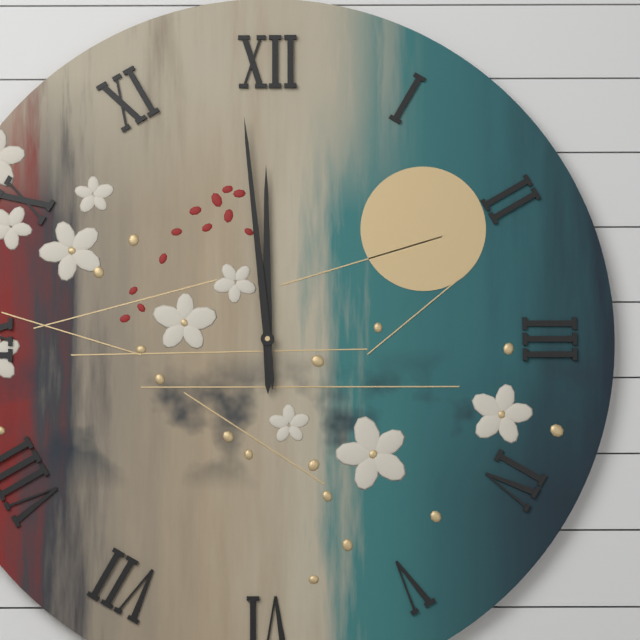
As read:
11.59
